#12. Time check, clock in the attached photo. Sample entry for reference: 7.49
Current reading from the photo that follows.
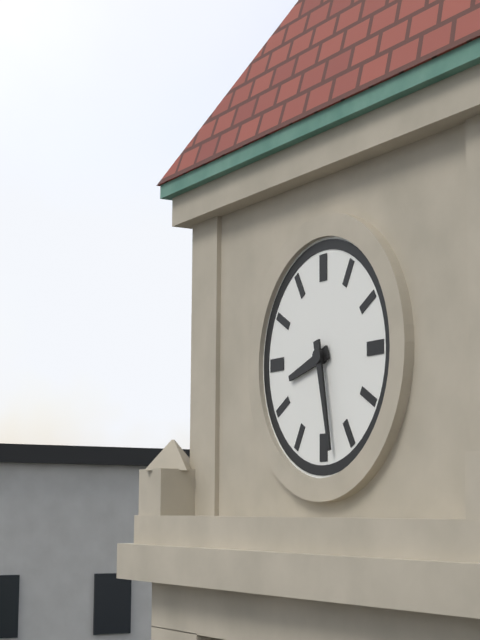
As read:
8.28
